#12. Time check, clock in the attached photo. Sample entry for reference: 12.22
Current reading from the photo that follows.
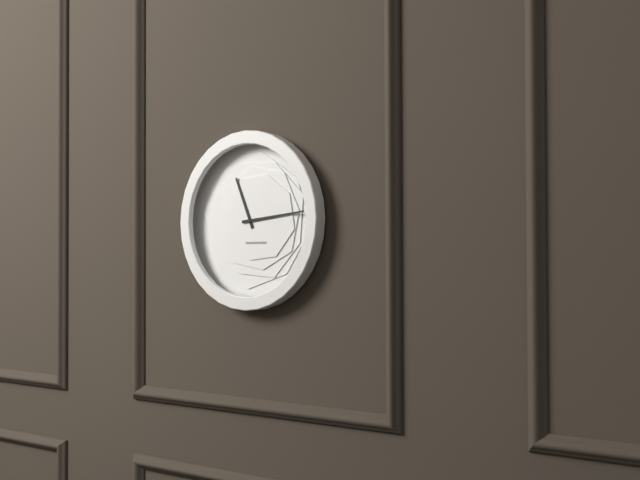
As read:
11.14
